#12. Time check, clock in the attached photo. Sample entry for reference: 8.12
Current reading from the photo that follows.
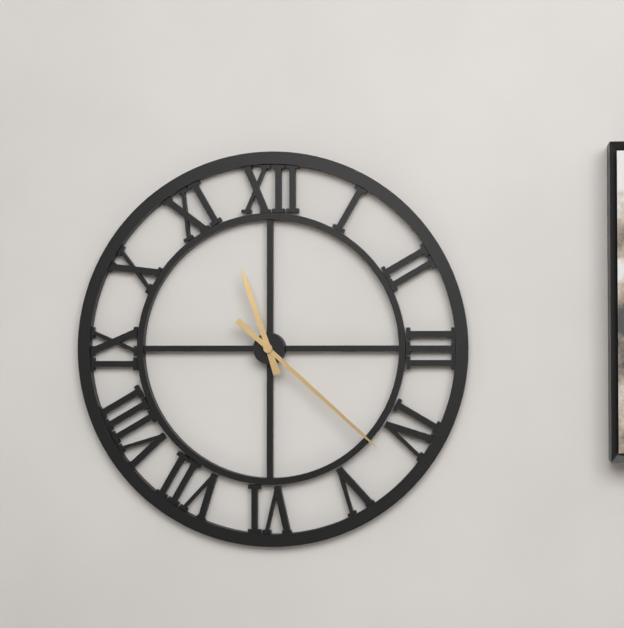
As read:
11.22
